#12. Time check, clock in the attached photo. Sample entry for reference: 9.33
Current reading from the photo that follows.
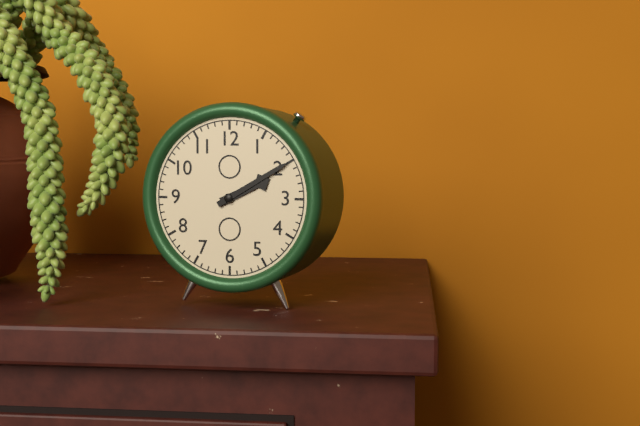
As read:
2.10
